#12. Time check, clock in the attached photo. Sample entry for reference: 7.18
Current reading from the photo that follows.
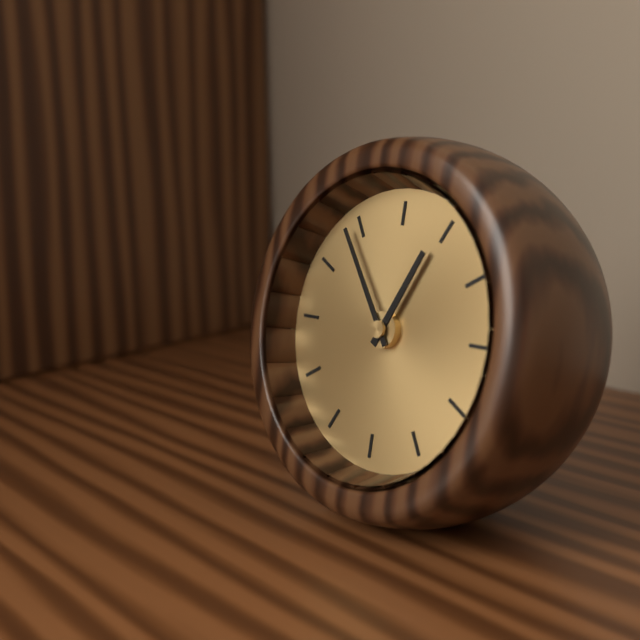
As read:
12.54
